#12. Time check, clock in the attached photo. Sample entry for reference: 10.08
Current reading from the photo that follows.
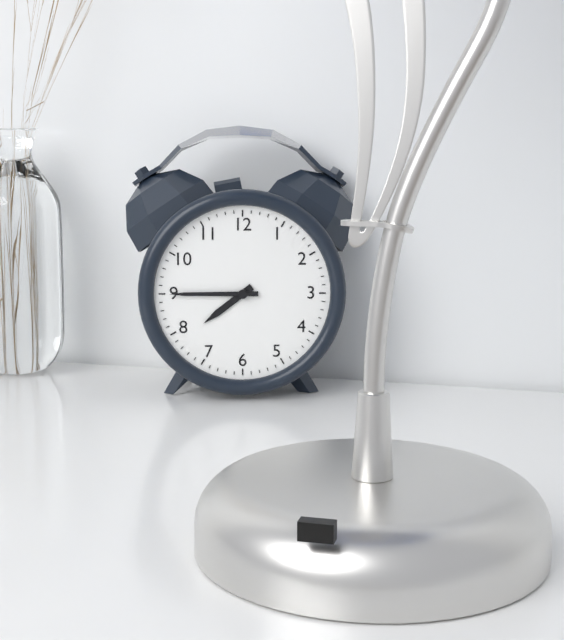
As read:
7.45
